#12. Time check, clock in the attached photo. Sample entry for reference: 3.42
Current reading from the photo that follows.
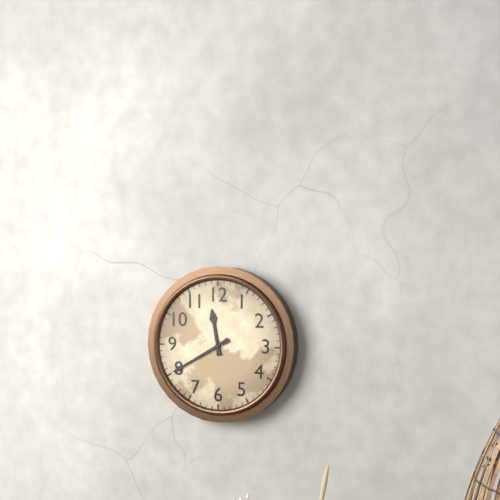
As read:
11.40
